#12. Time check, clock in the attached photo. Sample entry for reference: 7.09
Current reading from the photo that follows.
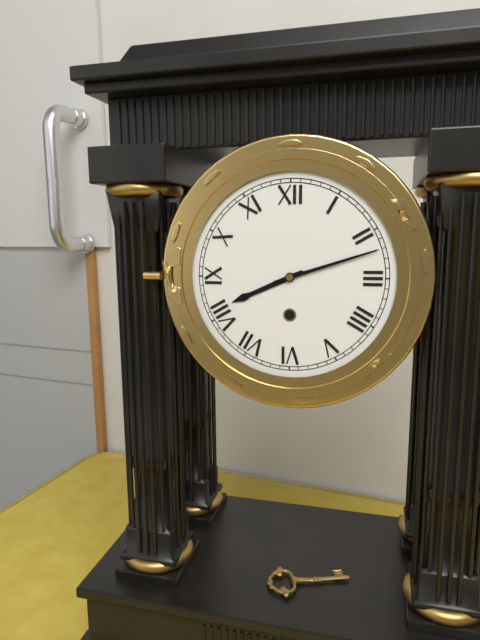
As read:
8.12
